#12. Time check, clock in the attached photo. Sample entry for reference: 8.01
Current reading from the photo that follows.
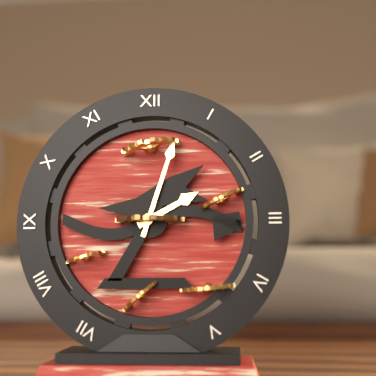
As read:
2.03
